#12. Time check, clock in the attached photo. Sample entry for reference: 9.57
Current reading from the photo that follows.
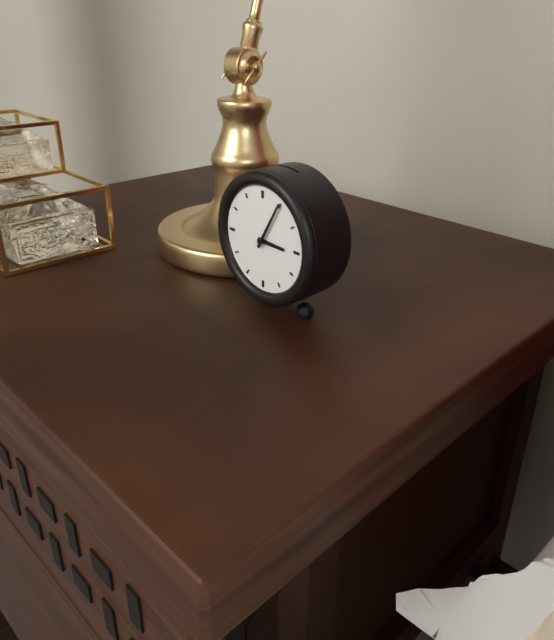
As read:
3.05
